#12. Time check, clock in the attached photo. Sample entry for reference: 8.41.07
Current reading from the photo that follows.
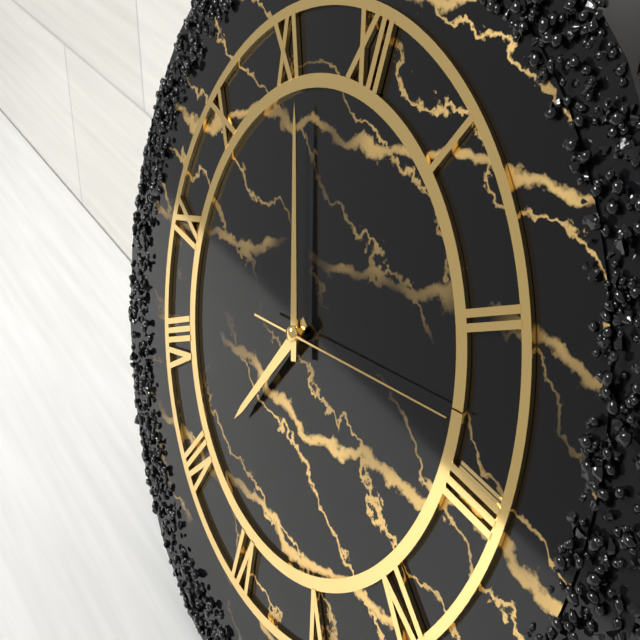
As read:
6.56.13
